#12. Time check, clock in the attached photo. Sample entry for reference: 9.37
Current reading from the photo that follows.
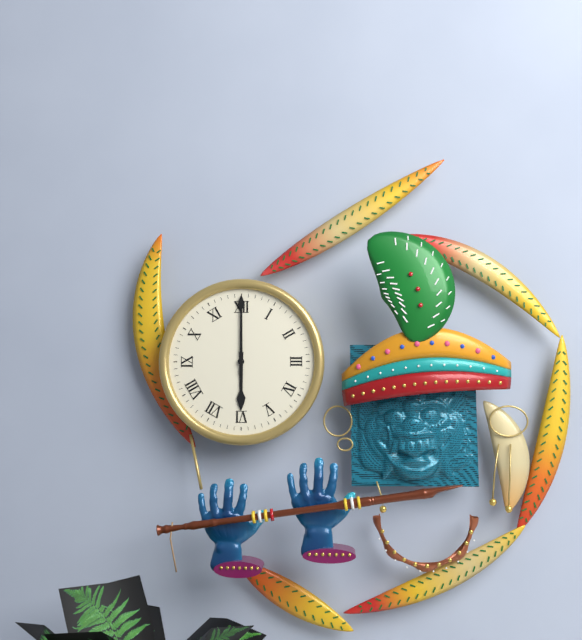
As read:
6.00
